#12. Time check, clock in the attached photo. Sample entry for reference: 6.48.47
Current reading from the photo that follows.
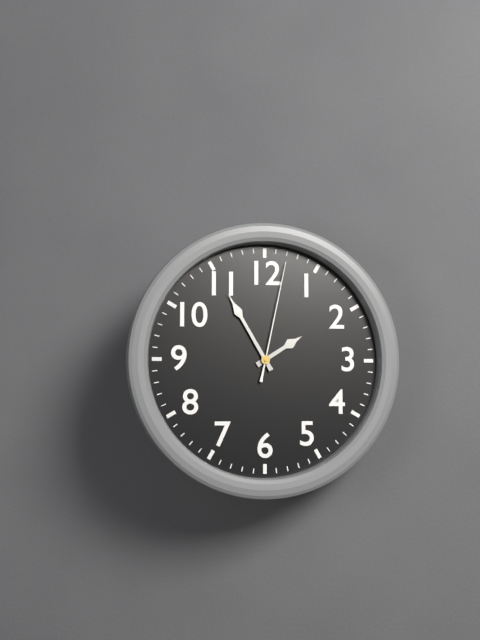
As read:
1.55.02
